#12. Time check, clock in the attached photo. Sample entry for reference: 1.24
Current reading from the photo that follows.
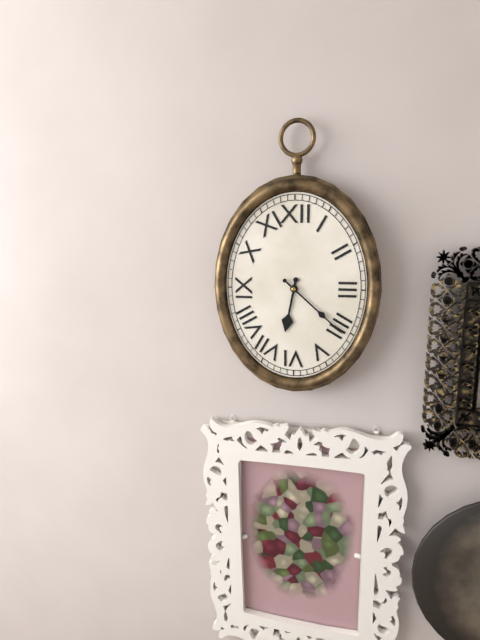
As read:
6.22
